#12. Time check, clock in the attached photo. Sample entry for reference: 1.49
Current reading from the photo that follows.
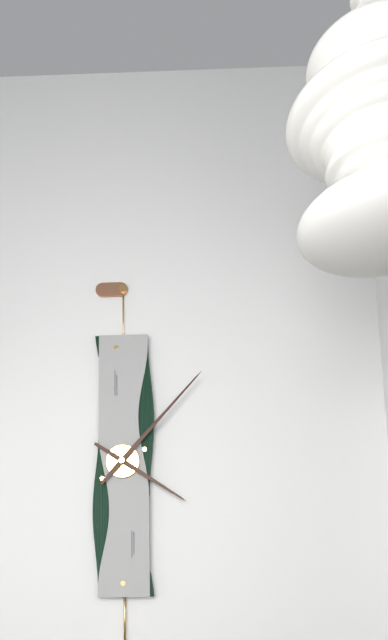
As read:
4.07
